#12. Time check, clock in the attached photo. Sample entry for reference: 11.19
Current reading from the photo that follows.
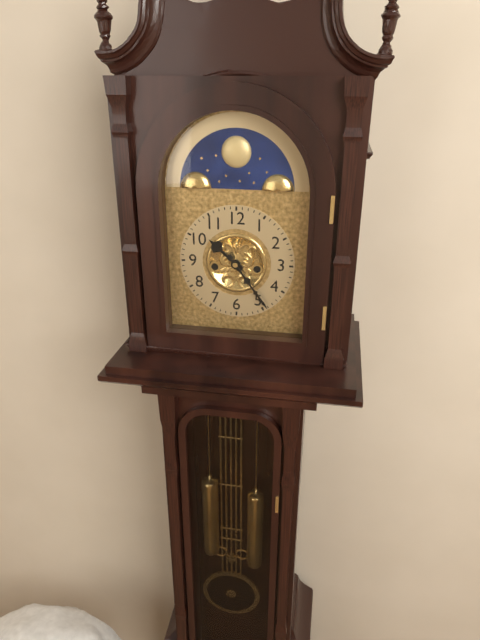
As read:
10.24
